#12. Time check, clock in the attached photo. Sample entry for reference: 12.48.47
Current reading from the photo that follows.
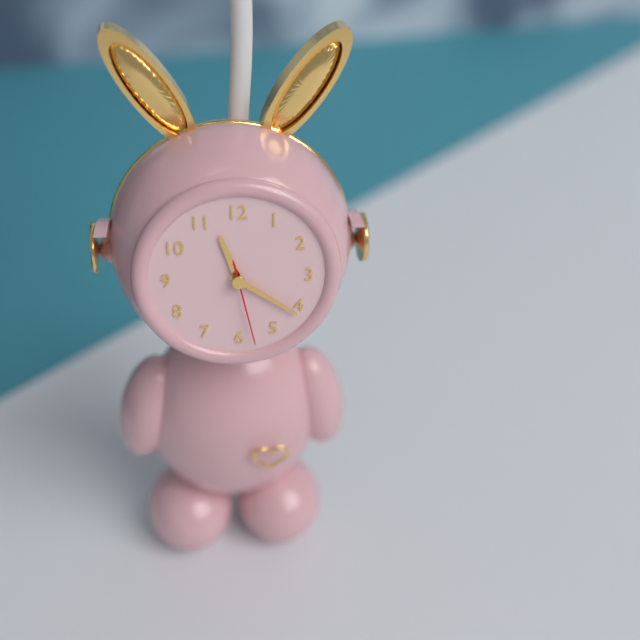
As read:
11.21.28
